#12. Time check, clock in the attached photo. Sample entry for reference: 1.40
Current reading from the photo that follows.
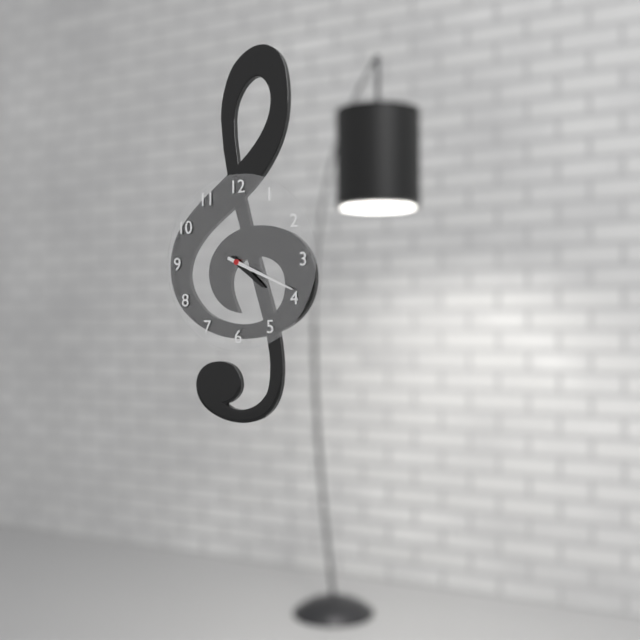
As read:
4.19
